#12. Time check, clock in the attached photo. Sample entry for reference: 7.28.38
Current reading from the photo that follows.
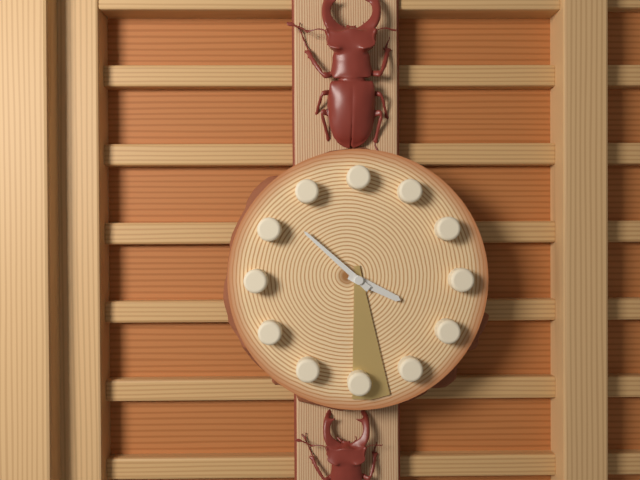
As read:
3.52.29
